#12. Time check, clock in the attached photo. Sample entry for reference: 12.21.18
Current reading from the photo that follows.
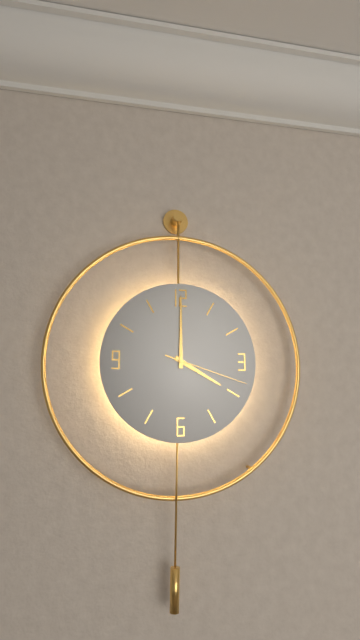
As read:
4.00.18
